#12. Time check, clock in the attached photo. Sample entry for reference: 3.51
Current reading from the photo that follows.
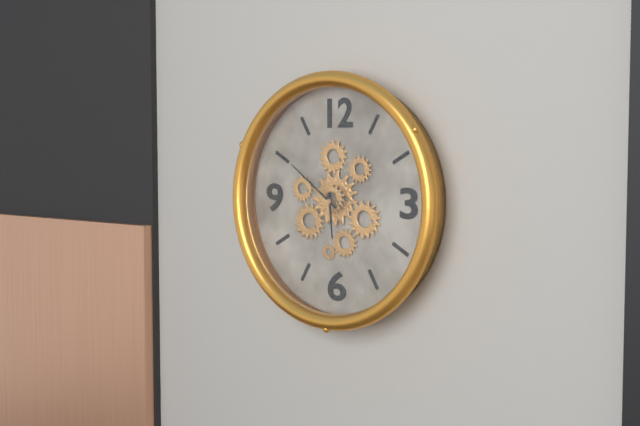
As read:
5.51
